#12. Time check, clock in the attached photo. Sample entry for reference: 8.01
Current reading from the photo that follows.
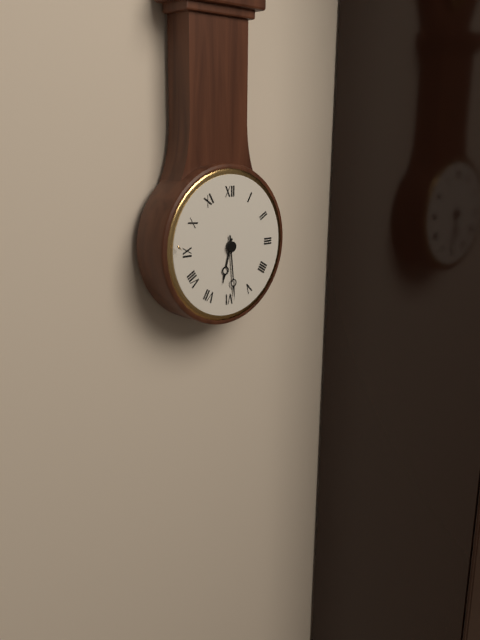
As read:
6.29
